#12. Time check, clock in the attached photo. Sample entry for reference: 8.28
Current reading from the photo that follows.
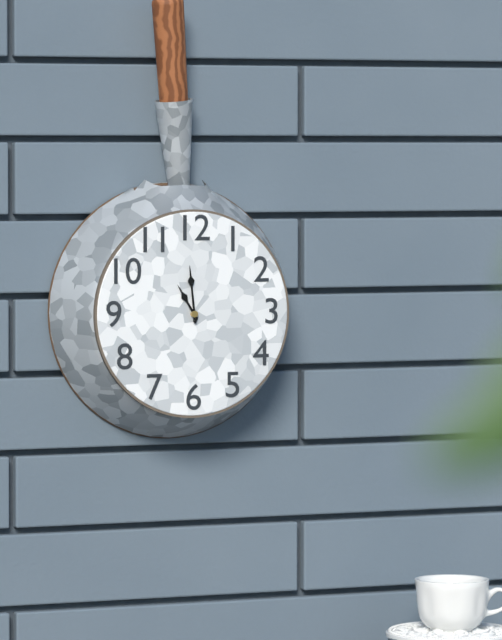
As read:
10.59
